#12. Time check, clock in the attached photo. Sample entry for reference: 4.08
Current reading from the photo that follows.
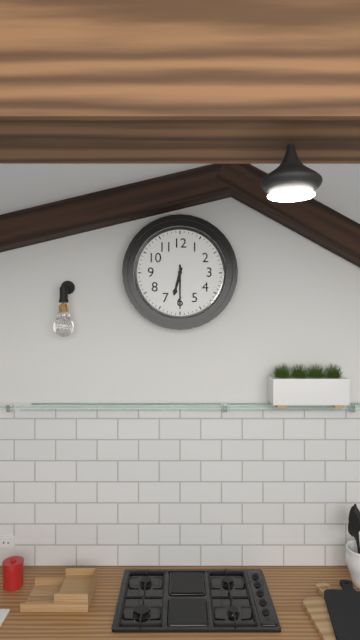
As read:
6.30
